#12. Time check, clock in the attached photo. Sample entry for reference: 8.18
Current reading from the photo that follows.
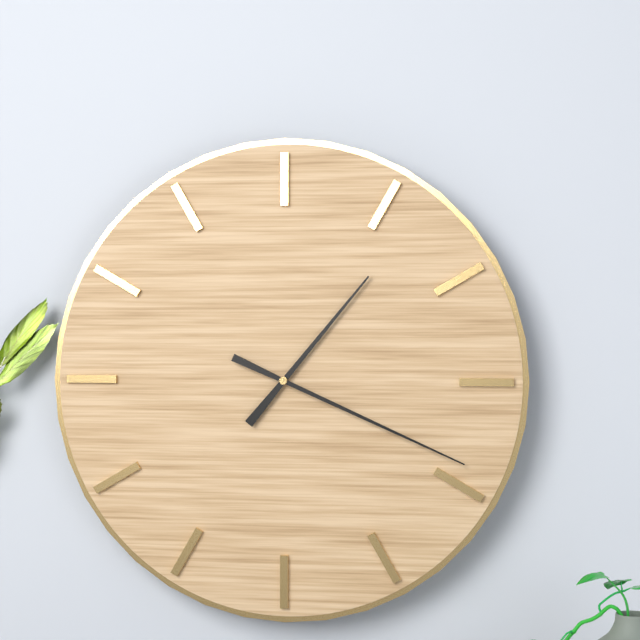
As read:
1.19
